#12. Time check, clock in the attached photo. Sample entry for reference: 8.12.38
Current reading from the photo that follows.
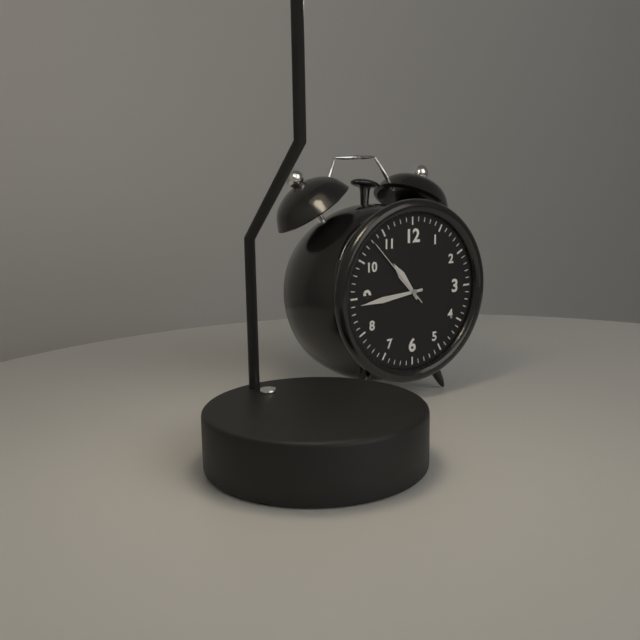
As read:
10.44.53
